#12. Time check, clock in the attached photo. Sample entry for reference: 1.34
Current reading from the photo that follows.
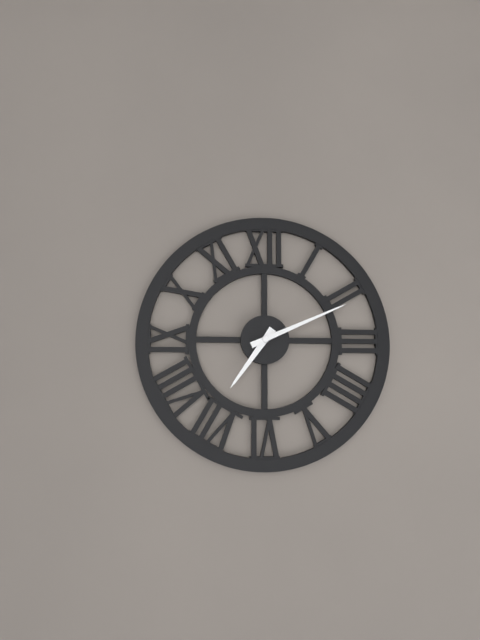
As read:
7.11
